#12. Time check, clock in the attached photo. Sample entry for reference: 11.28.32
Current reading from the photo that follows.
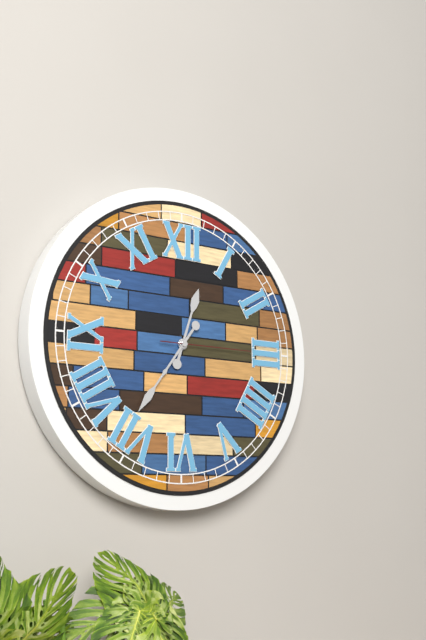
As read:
12.36.15
